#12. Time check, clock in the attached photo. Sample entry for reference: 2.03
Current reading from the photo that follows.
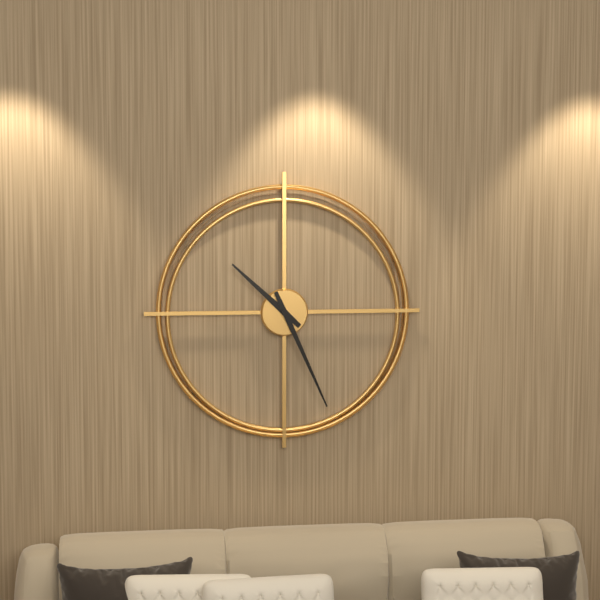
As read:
10.26
